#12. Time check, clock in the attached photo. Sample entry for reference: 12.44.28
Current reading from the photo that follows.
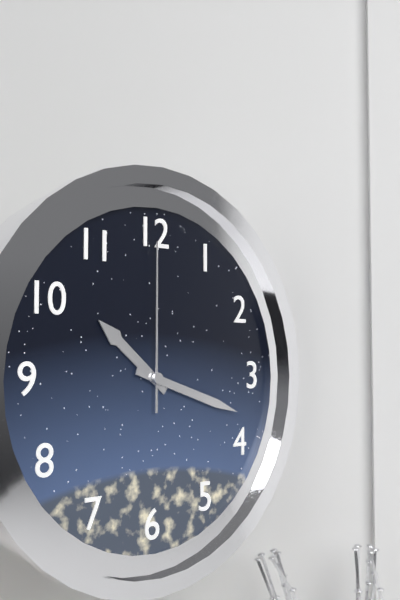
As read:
10.18.00
